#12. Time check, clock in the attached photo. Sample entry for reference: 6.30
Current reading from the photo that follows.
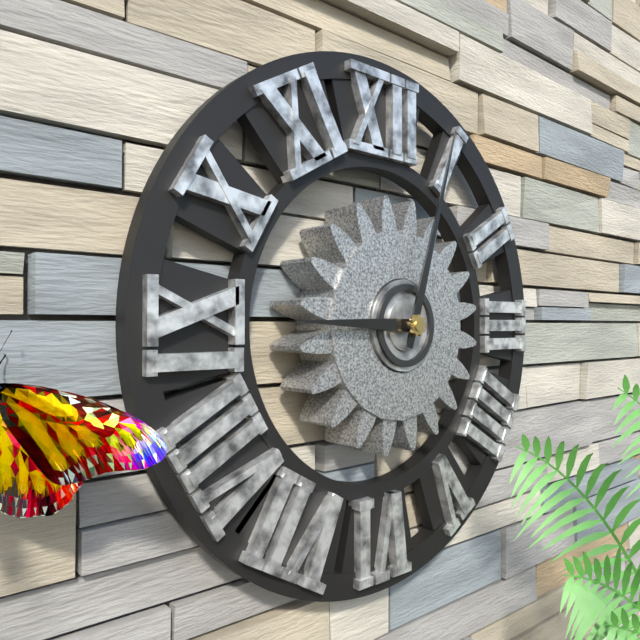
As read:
9.03
